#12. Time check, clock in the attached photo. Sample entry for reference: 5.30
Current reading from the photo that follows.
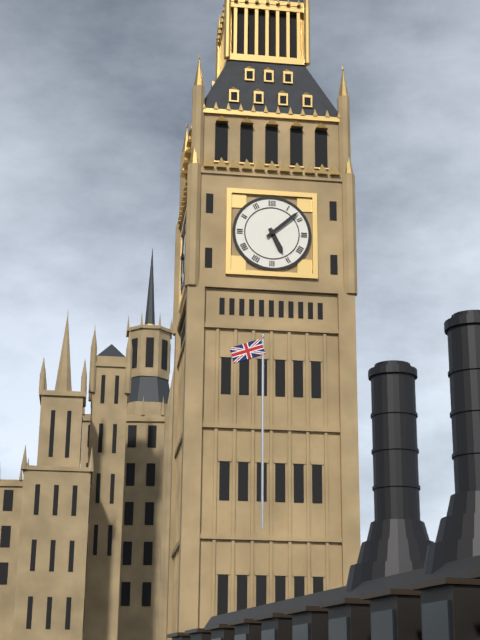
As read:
5.08
